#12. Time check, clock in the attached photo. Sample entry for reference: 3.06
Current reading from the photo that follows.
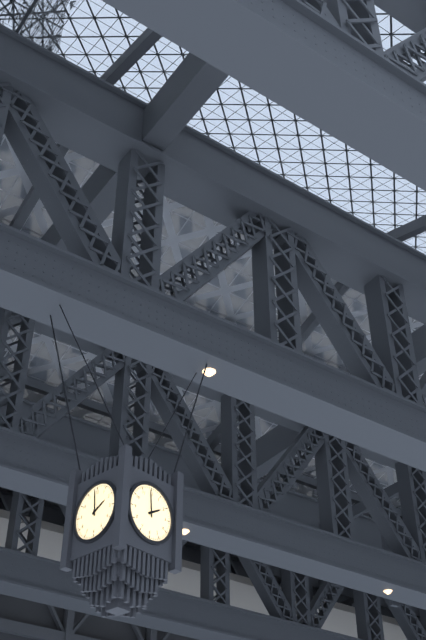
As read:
1.59
